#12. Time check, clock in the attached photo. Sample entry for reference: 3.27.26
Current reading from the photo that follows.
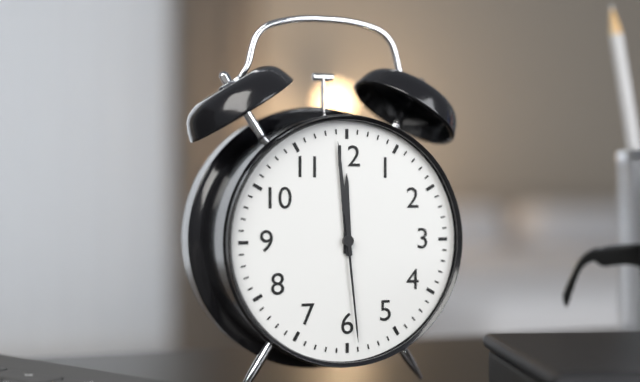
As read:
11.59.29
